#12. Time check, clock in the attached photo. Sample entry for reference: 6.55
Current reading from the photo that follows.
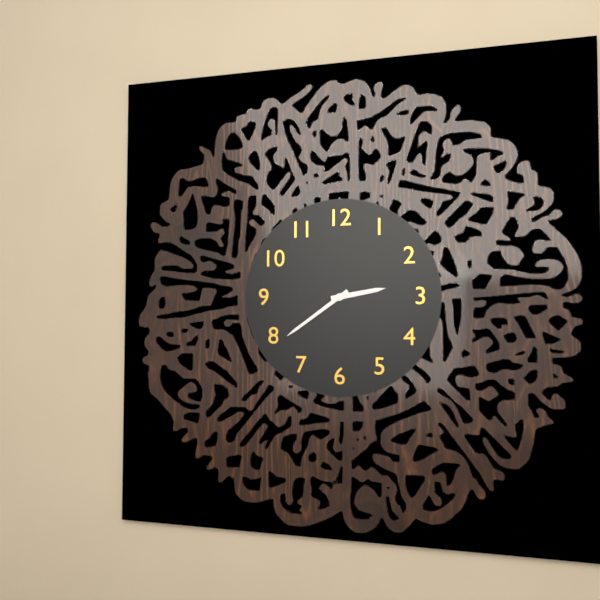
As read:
2.39
